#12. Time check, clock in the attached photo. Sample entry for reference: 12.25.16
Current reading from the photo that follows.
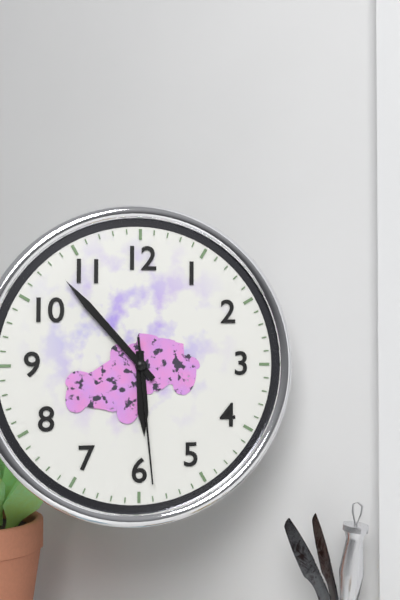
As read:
5.53.29
